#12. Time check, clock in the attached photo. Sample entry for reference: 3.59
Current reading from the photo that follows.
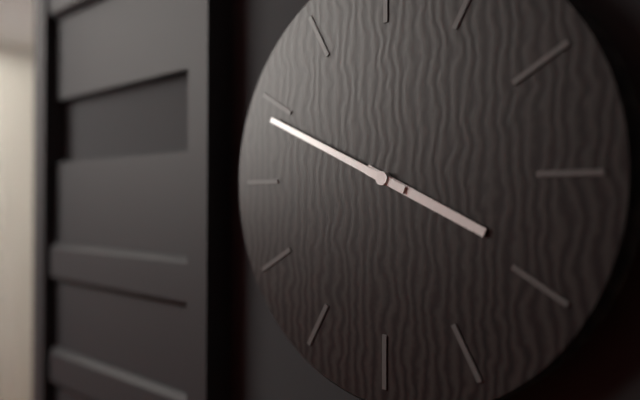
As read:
3.49
